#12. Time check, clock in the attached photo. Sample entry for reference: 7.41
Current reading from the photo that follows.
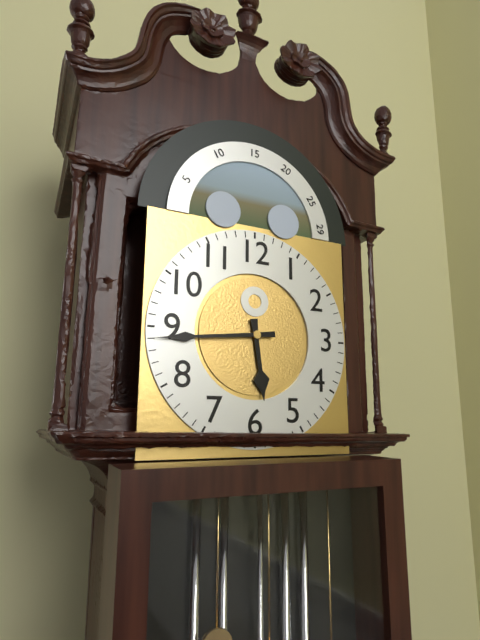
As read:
5.44
